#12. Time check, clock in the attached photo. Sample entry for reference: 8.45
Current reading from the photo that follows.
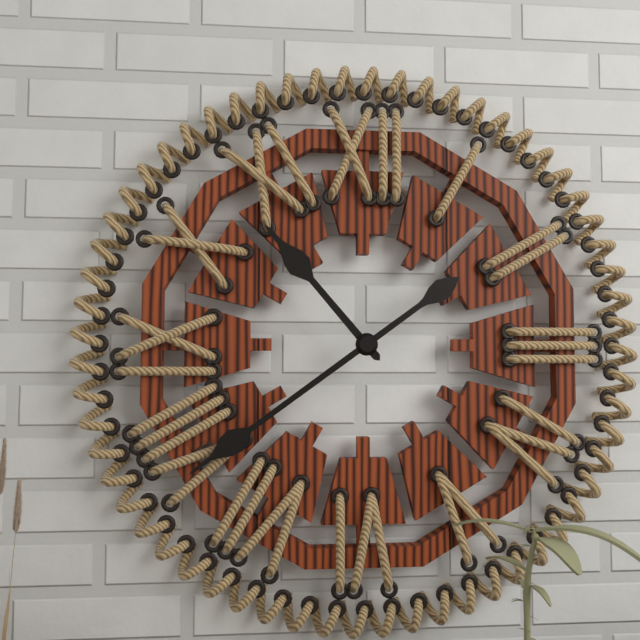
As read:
10.39
